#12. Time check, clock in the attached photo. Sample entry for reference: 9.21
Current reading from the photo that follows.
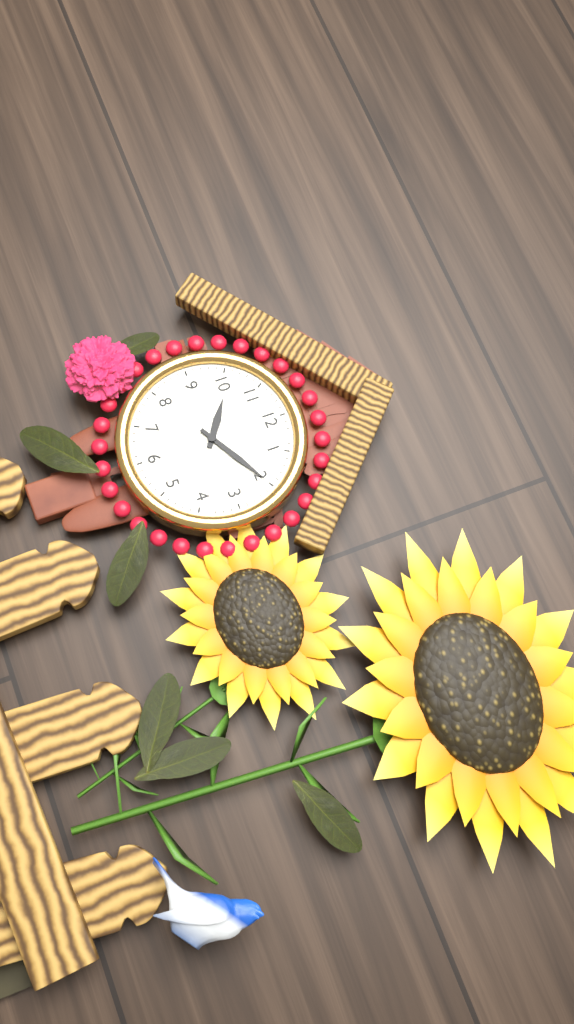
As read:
10.10
